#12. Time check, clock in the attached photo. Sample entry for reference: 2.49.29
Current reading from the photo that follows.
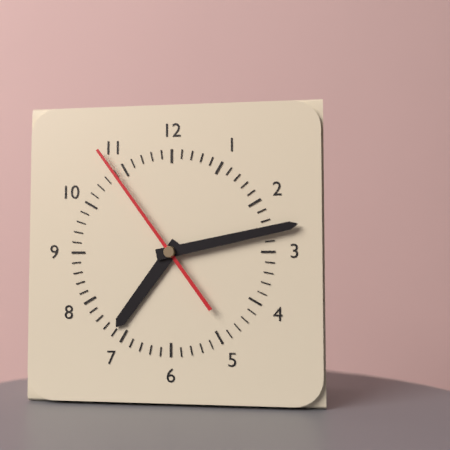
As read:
7.13.54
